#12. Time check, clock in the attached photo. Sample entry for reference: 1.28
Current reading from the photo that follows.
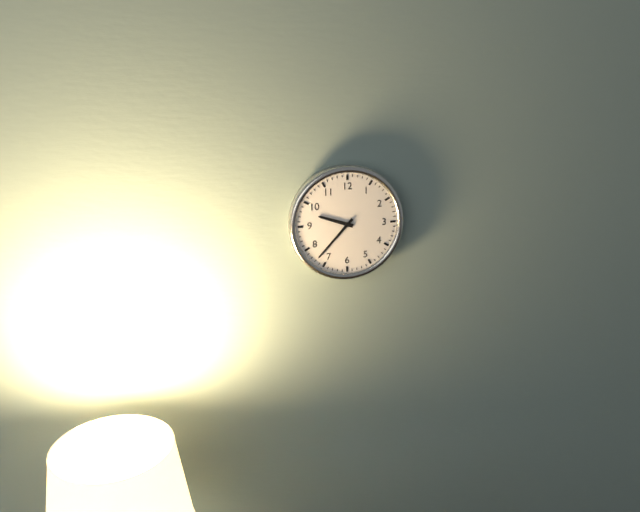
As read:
9.37
